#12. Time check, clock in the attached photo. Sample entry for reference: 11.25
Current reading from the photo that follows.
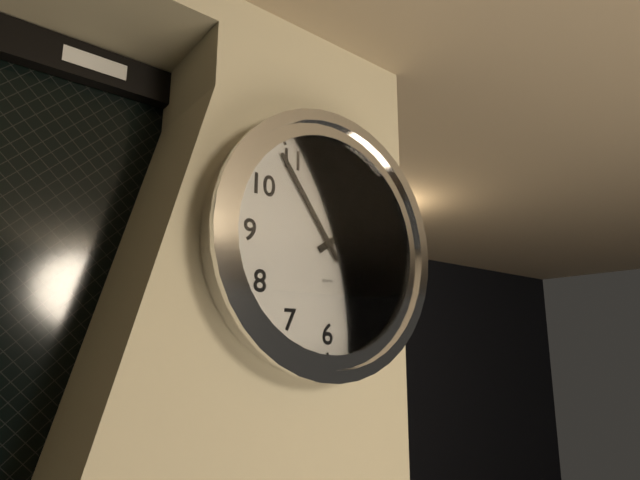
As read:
1.54
